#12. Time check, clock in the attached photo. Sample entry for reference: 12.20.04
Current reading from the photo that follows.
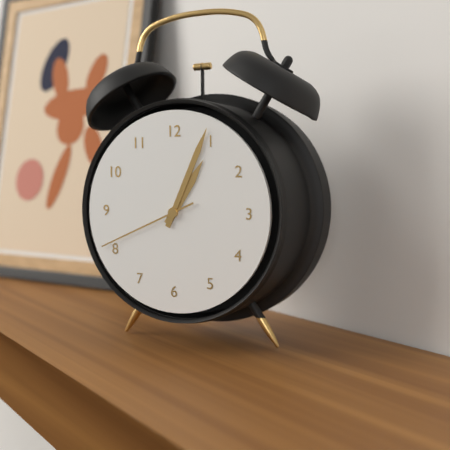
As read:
1.04.41
